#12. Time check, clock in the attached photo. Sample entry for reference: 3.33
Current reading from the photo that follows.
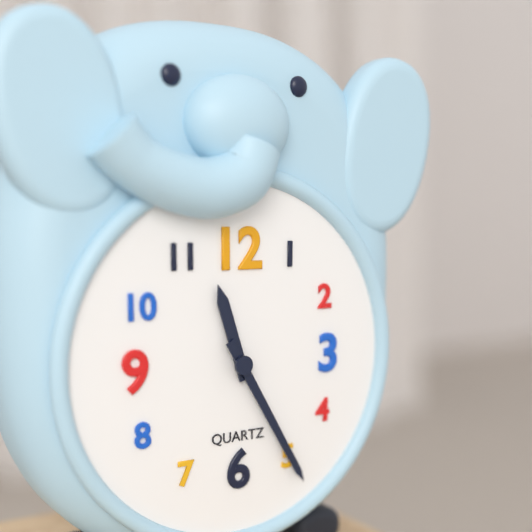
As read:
11.25
